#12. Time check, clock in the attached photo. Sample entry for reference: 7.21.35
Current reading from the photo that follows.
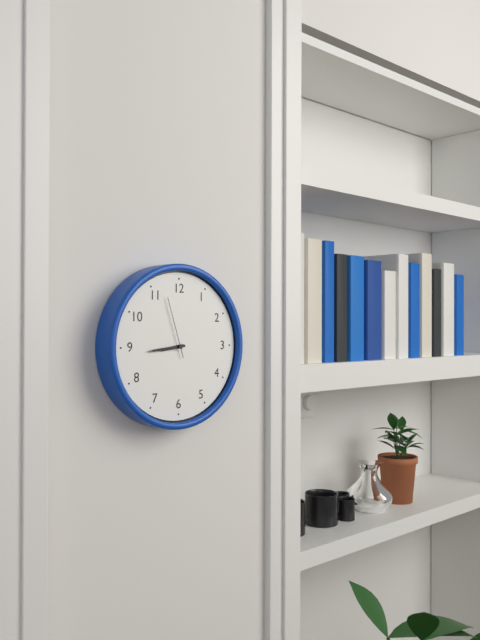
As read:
8.44.57
